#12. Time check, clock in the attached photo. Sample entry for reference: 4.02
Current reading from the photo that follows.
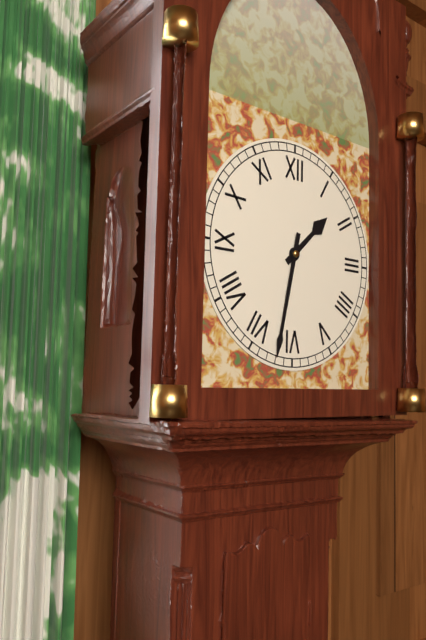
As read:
1.32
